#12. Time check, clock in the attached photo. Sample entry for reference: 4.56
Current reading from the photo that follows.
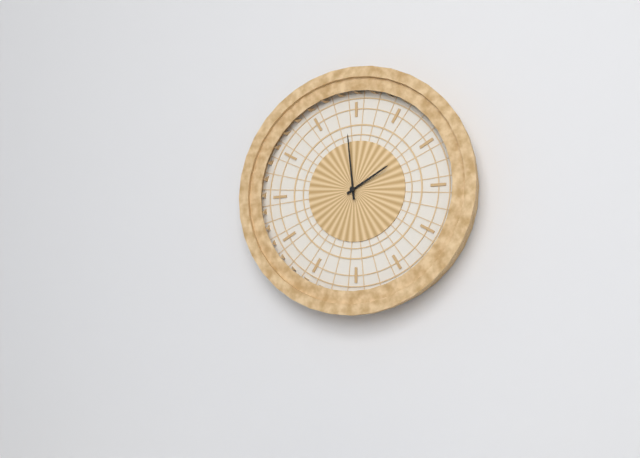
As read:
1.59
